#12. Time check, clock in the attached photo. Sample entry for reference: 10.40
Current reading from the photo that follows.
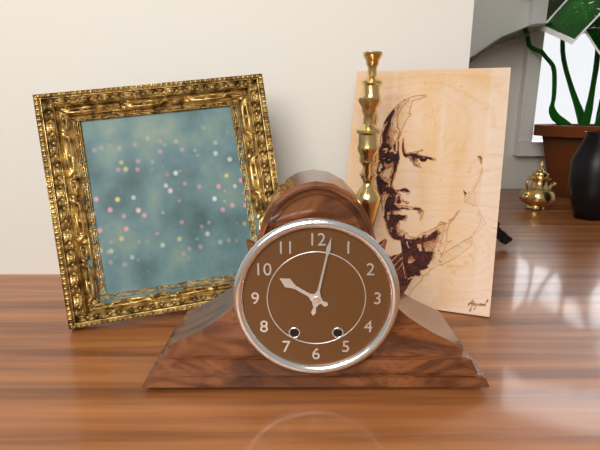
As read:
10.02
